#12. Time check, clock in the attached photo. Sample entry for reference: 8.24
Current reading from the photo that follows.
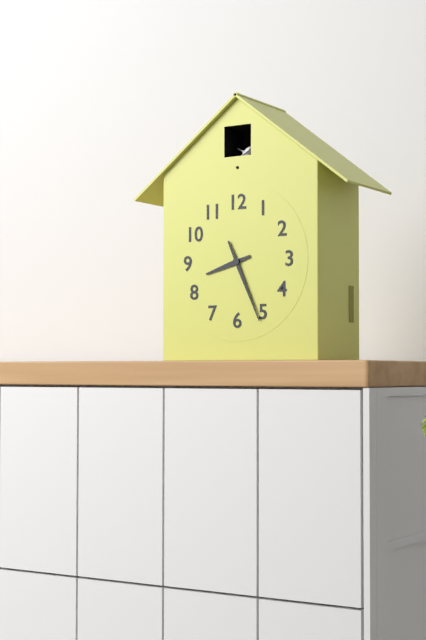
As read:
8.26
